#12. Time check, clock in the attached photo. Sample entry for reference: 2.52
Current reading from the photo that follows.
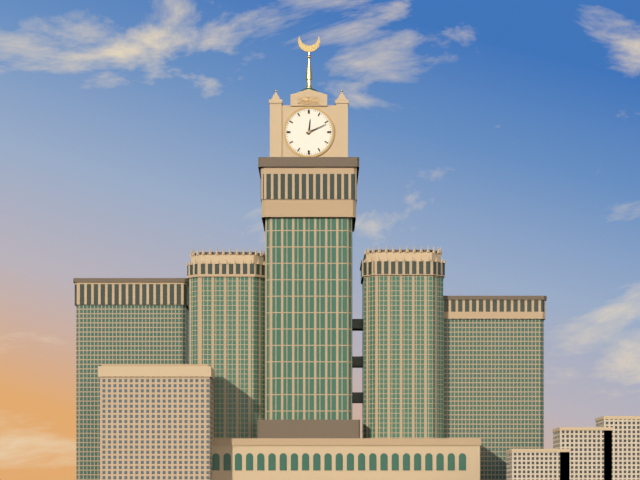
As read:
12.11
